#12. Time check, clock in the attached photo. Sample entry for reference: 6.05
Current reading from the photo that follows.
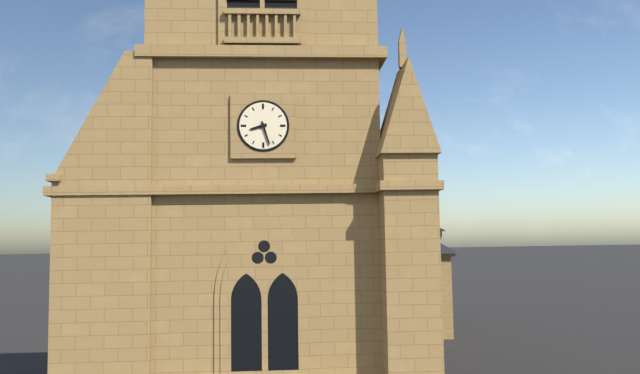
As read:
8.27
